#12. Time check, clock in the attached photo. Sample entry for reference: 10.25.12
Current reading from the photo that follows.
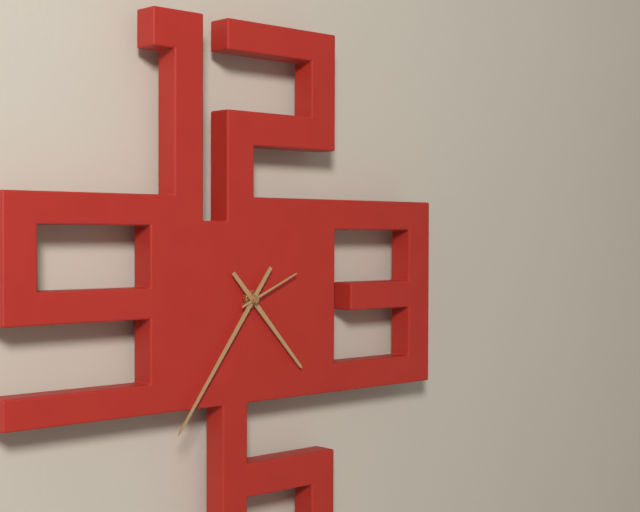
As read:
4.36.11
